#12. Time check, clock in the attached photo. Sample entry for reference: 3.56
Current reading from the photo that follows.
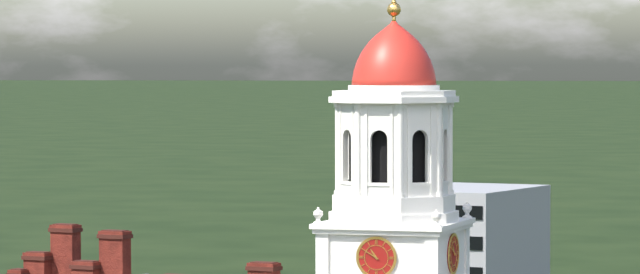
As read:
10.50
